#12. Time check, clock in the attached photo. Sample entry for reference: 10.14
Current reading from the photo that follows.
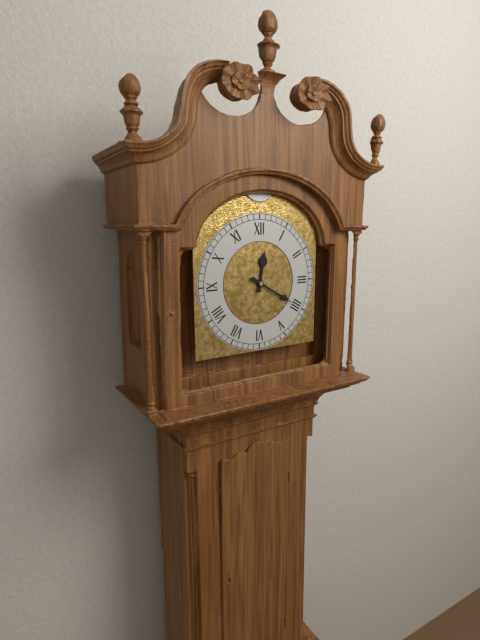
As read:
12.20
